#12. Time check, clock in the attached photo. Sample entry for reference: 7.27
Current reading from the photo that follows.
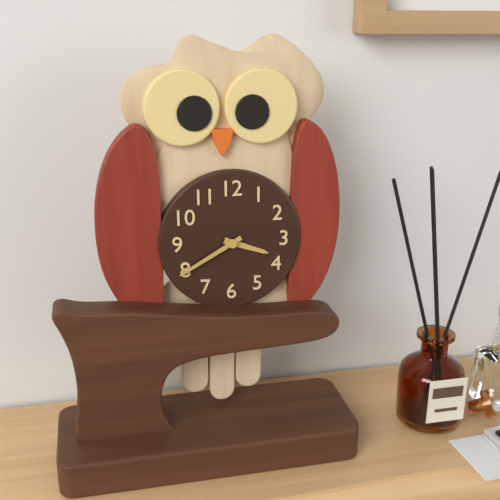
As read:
3.40
